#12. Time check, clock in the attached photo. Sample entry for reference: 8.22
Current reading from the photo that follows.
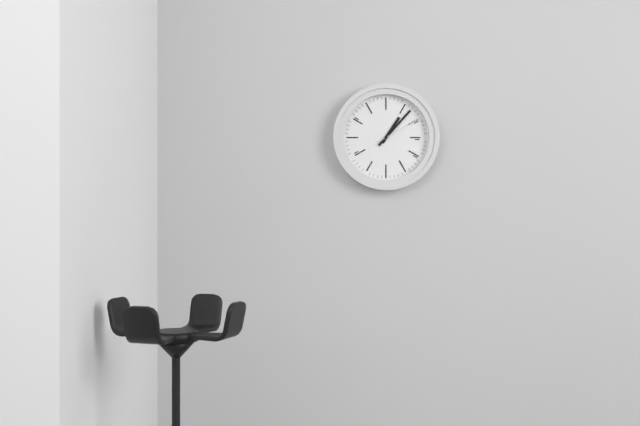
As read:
1.07
